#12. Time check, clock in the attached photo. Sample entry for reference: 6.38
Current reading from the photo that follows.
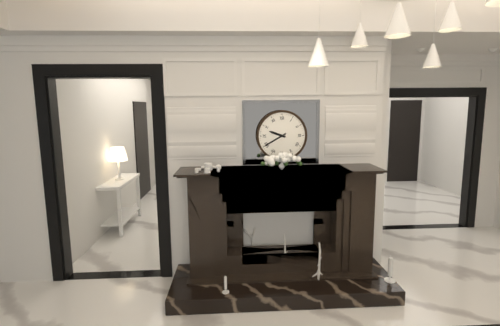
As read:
9.40
